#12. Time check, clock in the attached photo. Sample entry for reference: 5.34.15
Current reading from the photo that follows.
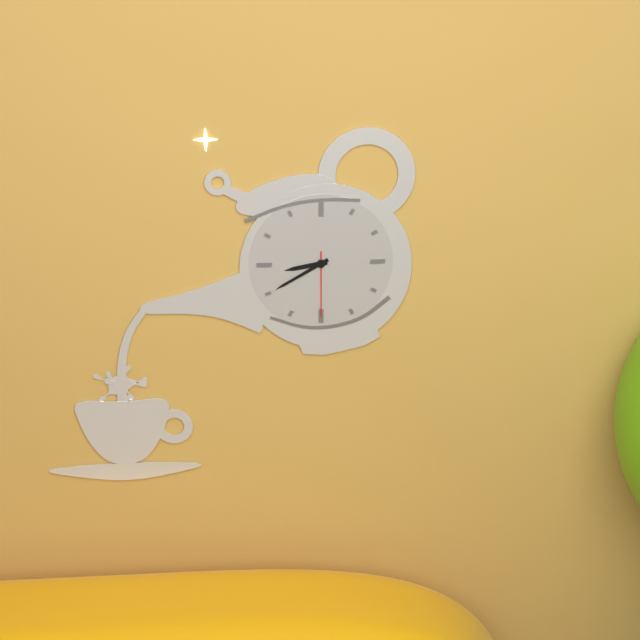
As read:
8.40.30
